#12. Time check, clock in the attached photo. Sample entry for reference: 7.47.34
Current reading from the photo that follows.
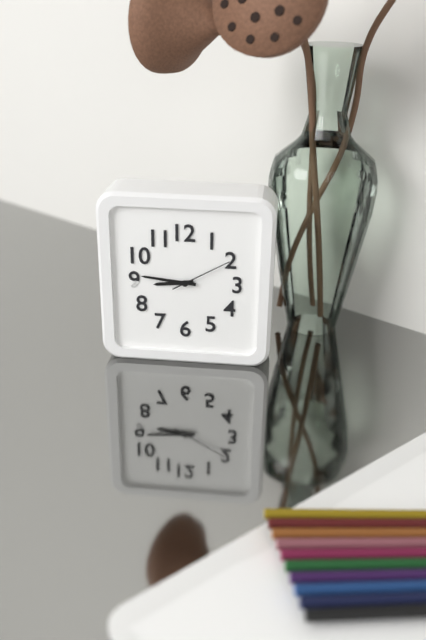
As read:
8.46.10
